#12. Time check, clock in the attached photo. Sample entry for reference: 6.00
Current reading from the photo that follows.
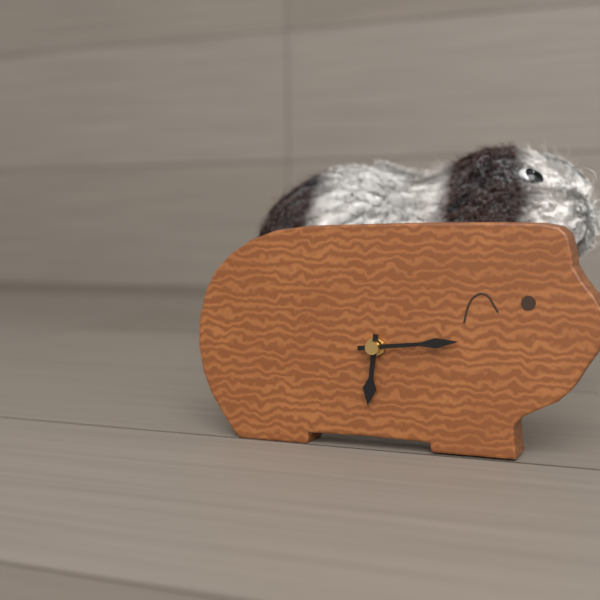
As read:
6.14
